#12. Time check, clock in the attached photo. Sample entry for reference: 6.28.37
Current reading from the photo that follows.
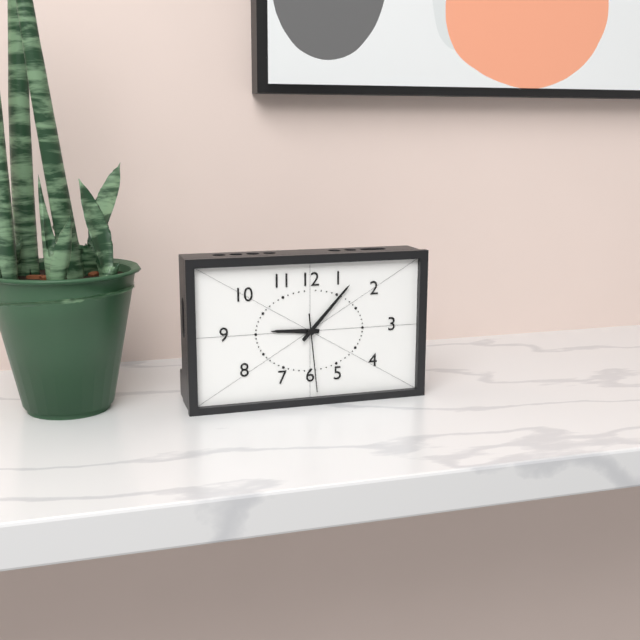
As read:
9.07.29
